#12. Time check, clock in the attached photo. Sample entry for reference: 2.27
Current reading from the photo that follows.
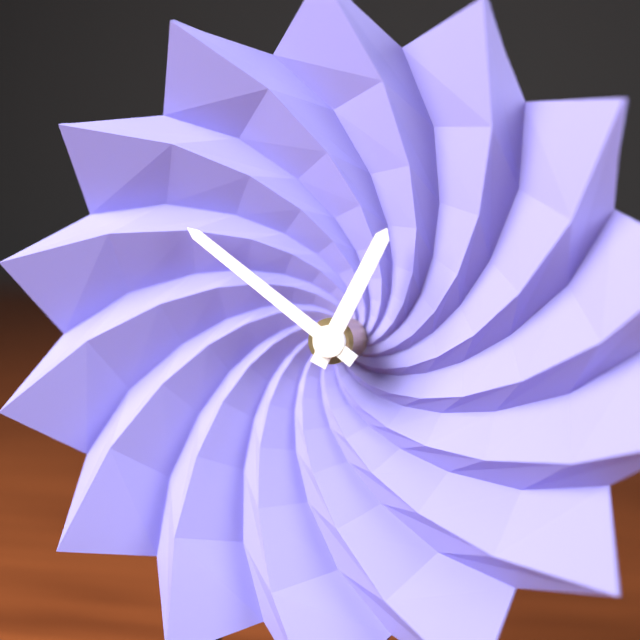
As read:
12.51
